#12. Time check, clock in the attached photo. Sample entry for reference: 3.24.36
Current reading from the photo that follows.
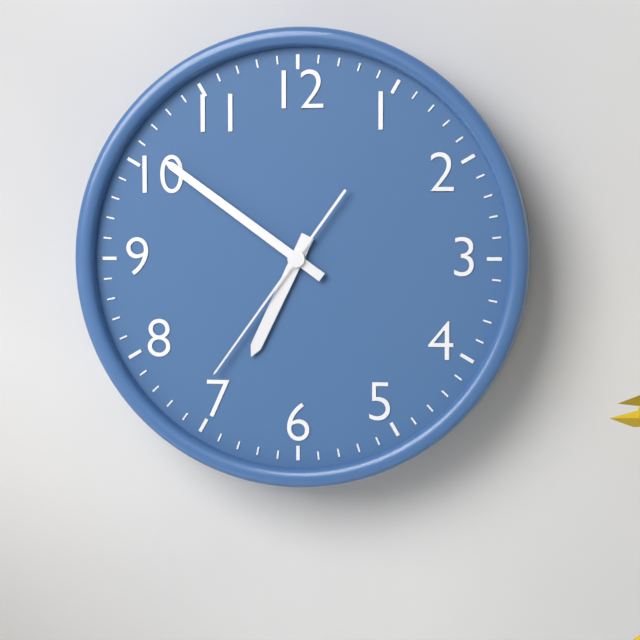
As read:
6.51.36
